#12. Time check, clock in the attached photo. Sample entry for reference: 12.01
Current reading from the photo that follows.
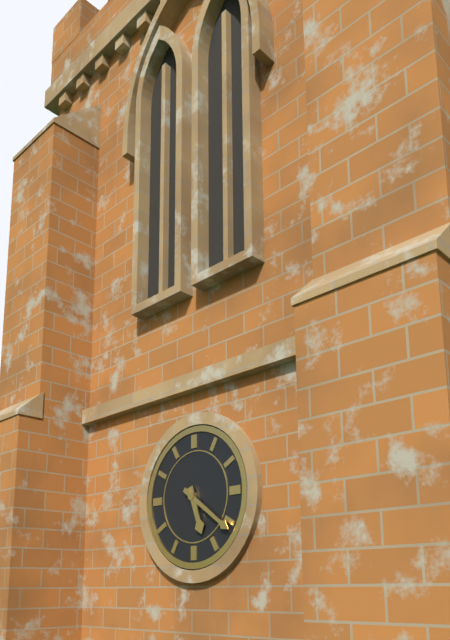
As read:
5.21
